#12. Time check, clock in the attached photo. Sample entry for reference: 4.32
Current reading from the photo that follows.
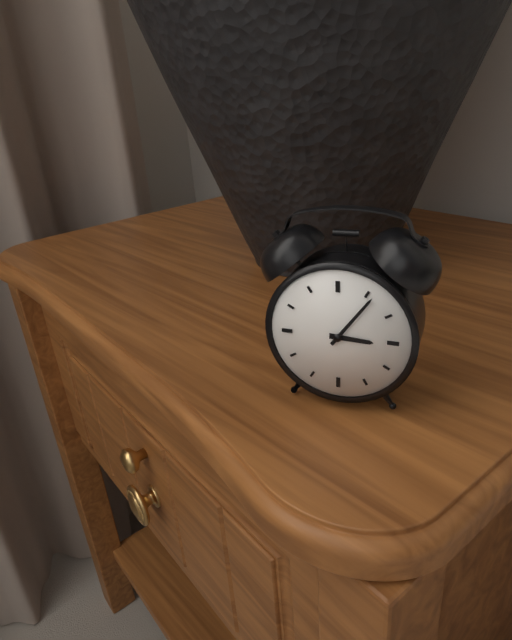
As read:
3.06
